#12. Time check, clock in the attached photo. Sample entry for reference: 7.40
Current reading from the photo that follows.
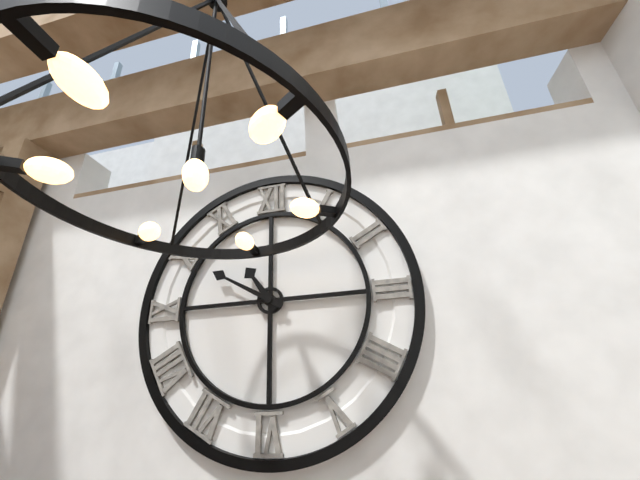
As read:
10.50
